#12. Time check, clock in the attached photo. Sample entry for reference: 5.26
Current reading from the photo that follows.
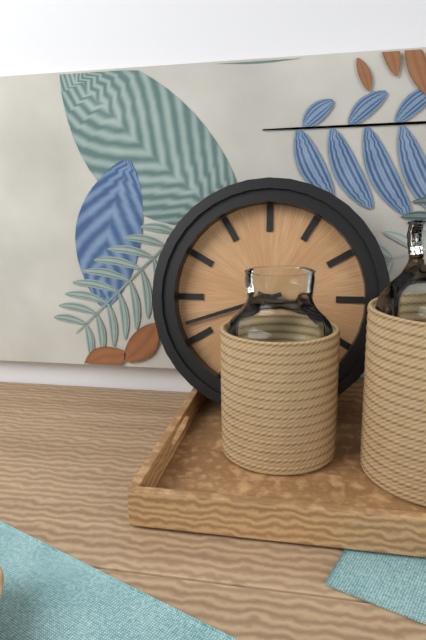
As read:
3.42
